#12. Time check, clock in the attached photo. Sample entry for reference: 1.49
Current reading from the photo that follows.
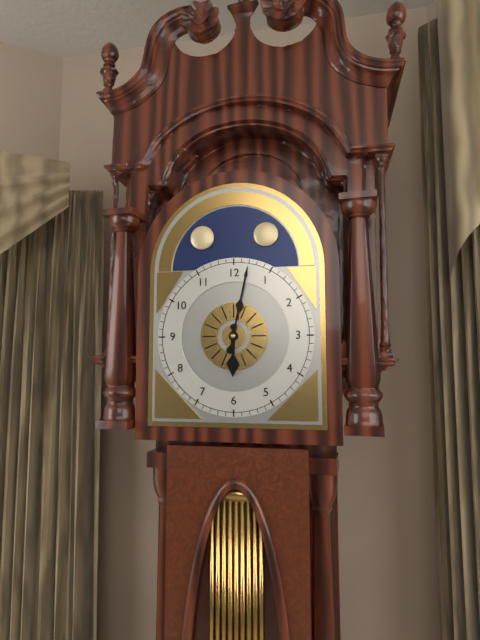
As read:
6.02
